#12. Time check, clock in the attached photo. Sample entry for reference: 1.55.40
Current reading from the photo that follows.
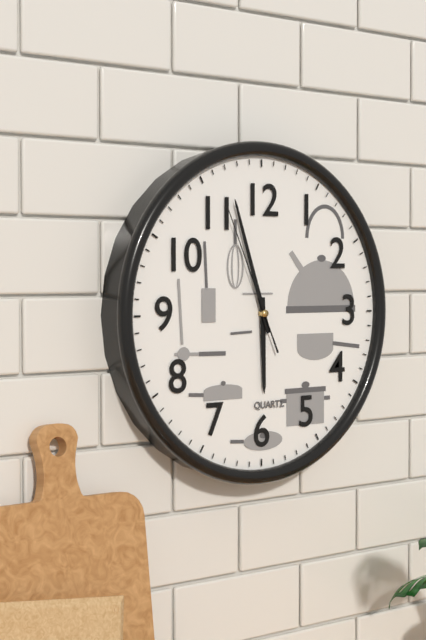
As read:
5.57.56
